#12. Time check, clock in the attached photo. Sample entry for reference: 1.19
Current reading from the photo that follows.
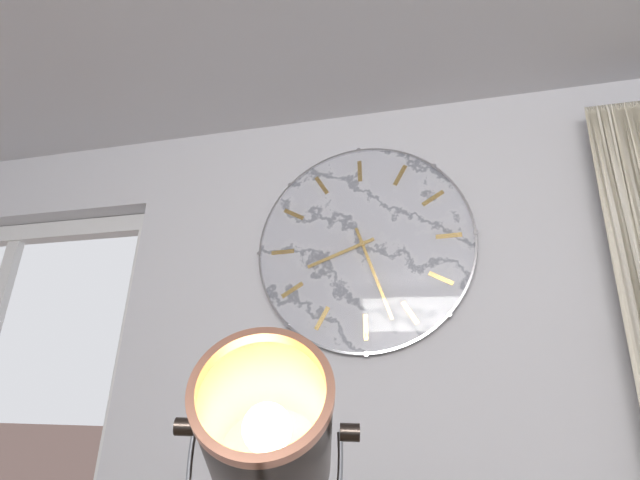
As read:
7.22
